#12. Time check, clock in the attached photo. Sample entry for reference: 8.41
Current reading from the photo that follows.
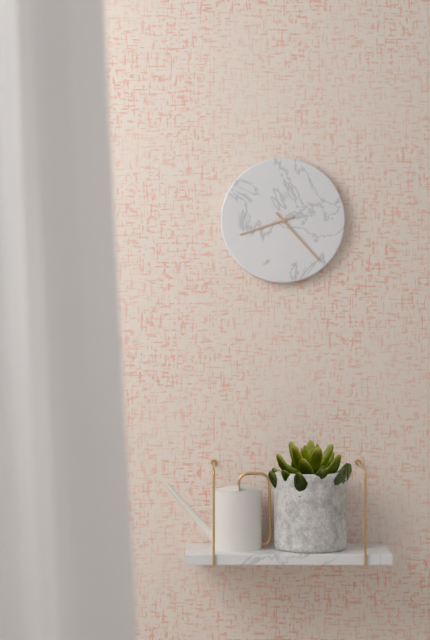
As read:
8.23
